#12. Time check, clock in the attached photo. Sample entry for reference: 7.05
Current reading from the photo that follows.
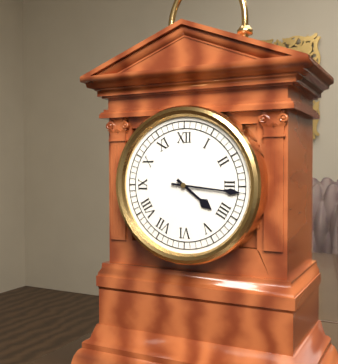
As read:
4.16
